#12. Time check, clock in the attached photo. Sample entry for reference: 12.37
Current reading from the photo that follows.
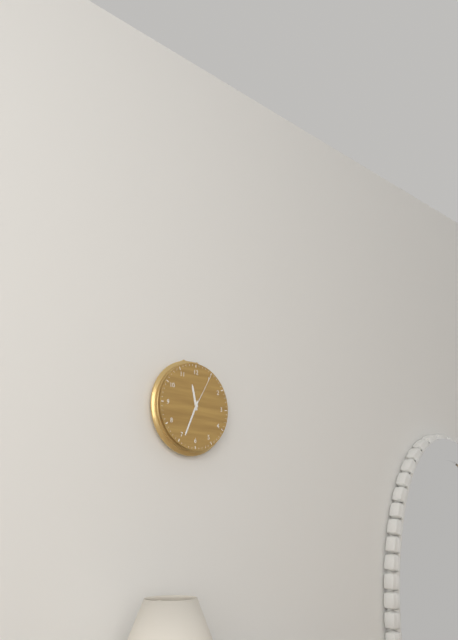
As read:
11.34
